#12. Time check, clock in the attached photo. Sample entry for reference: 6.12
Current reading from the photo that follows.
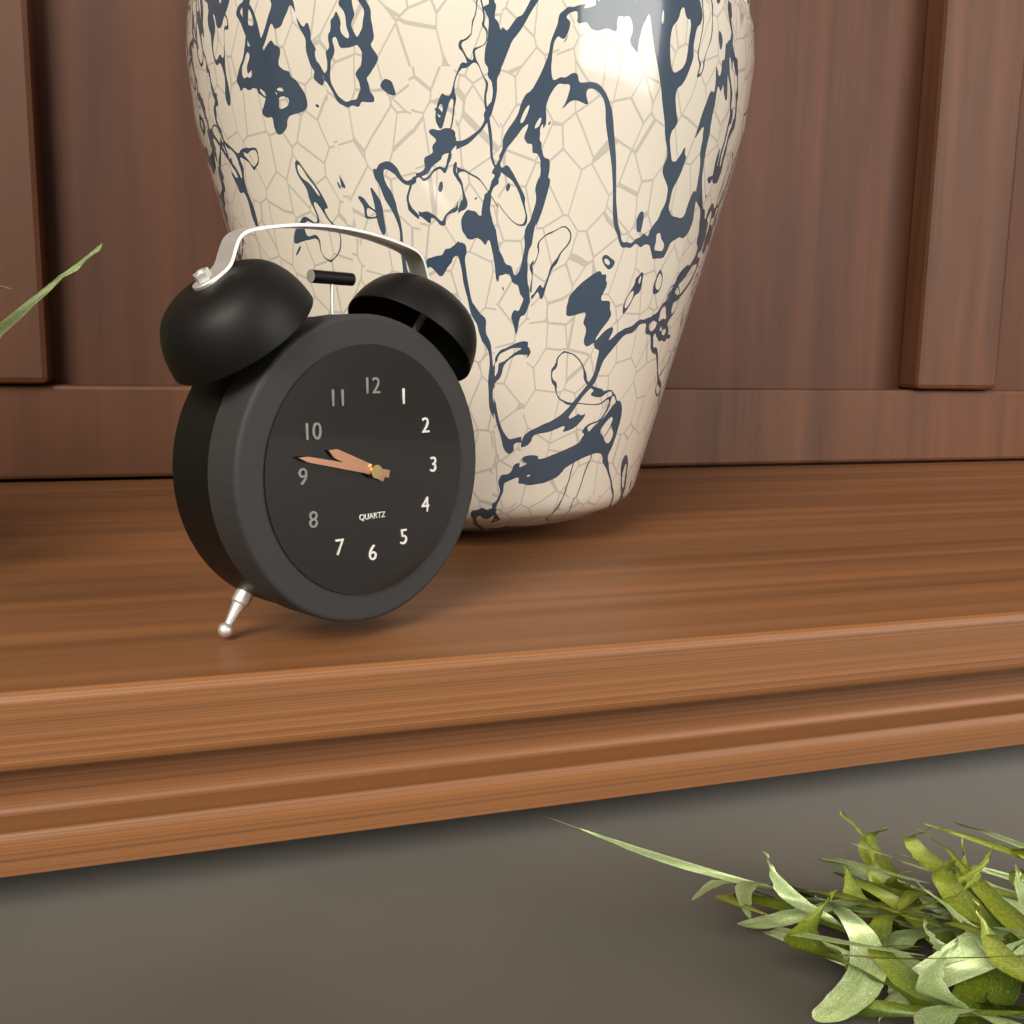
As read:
9.47
